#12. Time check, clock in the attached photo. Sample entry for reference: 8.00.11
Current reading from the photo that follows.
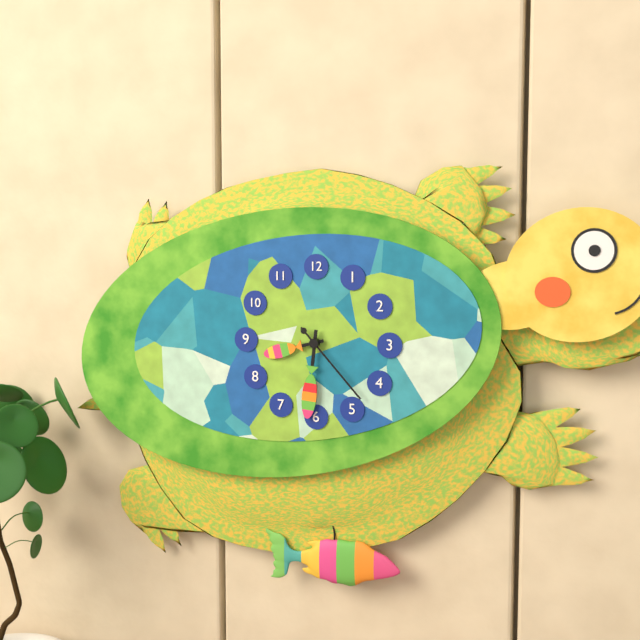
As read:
8.31.23
